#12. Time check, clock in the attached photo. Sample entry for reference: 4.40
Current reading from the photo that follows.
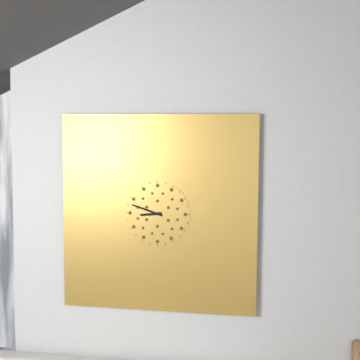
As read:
8.48
